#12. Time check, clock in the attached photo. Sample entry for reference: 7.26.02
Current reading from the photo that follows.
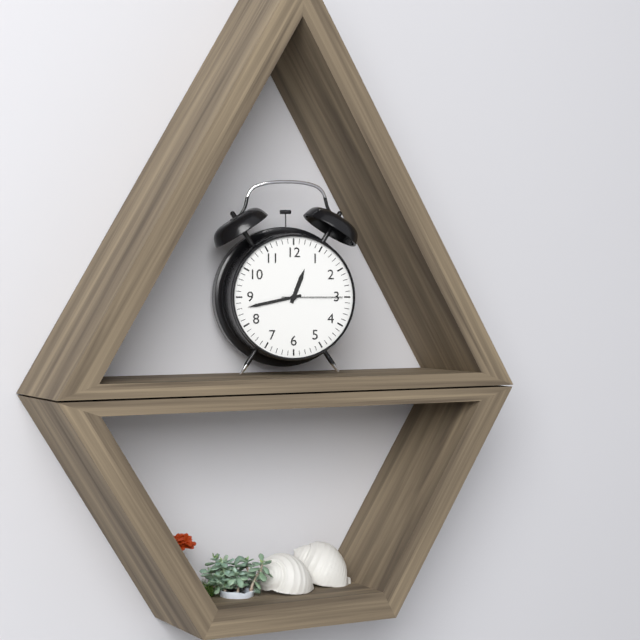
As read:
12.43.15
